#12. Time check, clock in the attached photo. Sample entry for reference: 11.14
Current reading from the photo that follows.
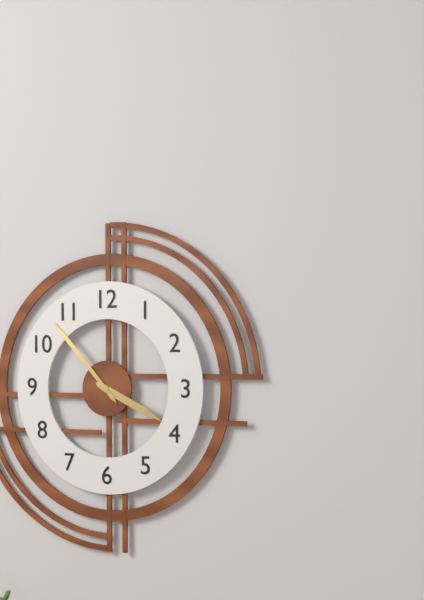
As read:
3.53
